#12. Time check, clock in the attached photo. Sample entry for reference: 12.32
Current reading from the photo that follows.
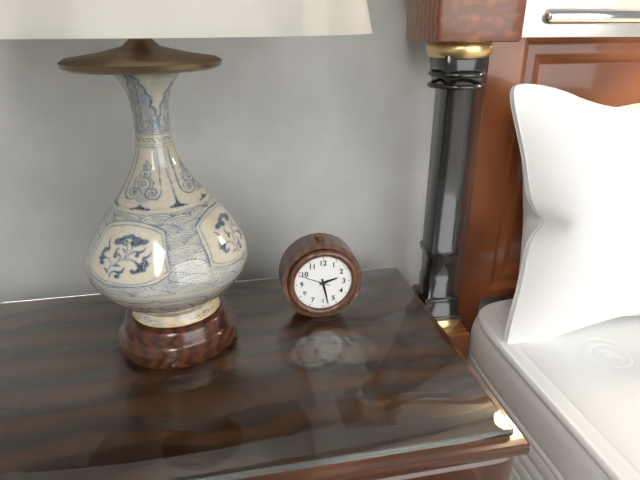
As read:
2.28
